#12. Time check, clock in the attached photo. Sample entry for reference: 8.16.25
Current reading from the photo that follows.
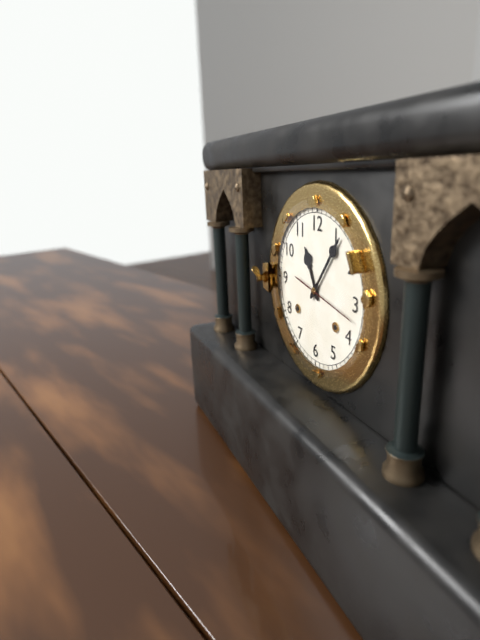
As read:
11.06.17
